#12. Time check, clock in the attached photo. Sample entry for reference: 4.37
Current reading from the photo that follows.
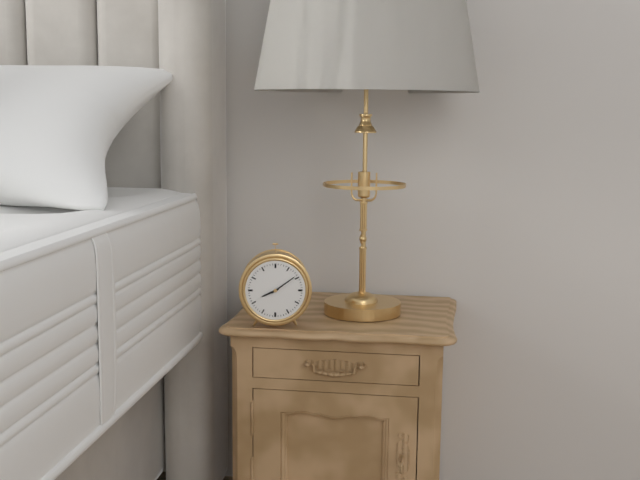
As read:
8.09
